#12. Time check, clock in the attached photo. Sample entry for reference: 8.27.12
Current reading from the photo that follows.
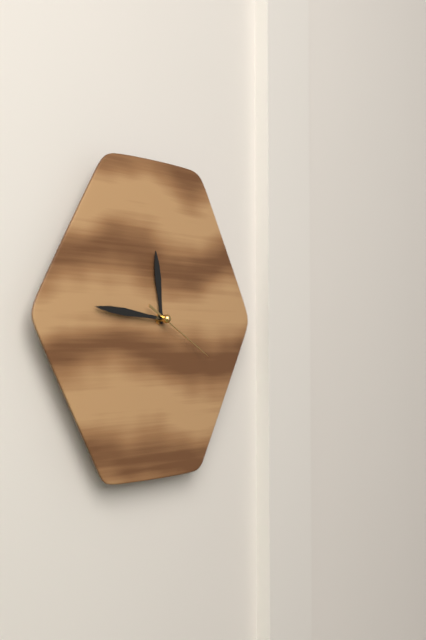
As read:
11.46.20
